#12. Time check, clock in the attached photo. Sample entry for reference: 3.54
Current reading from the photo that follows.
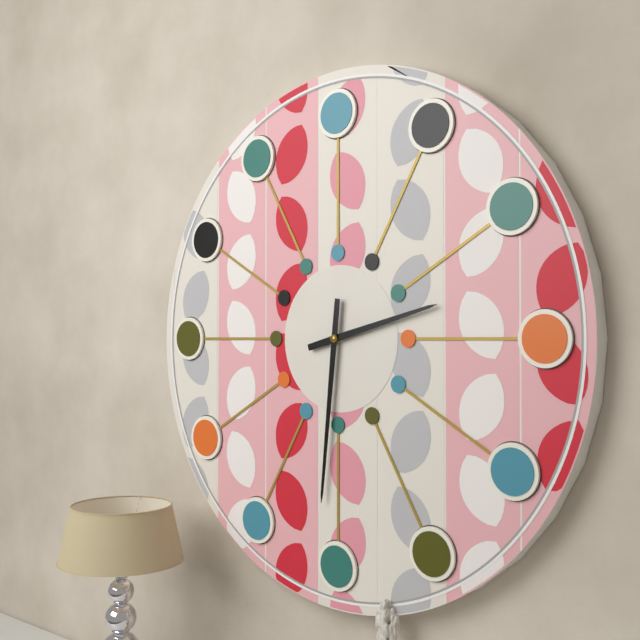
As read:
2.31
